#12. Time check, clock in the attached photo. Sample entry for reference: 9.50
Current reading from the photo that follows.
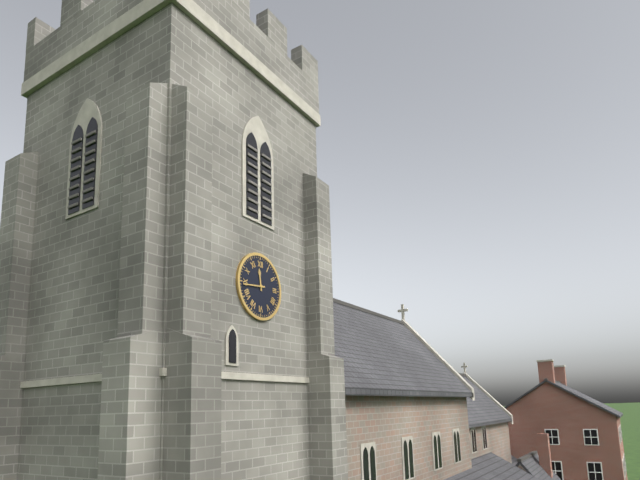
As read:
11.44
